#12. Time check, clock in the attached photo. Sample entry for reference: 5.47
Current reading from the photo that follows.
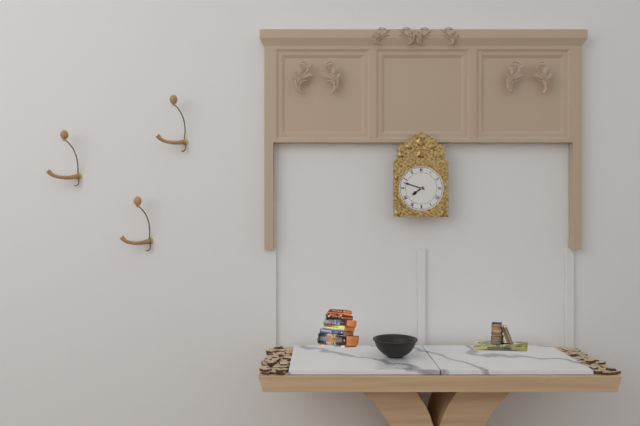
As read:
7.48
